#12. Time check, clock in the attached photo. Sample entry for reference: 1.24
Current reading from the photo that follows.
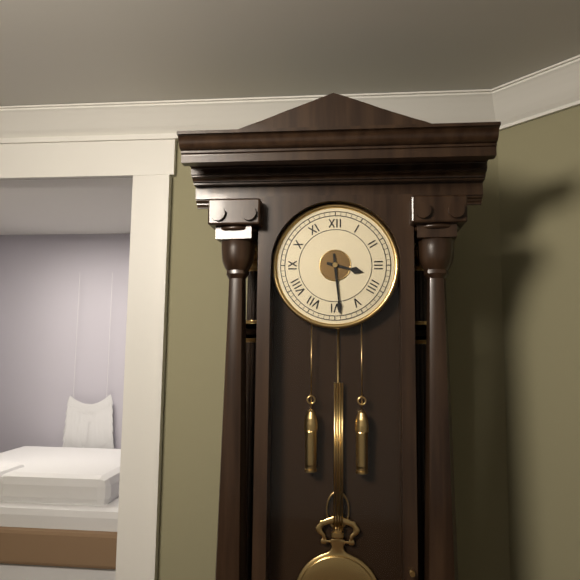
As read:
3.29
